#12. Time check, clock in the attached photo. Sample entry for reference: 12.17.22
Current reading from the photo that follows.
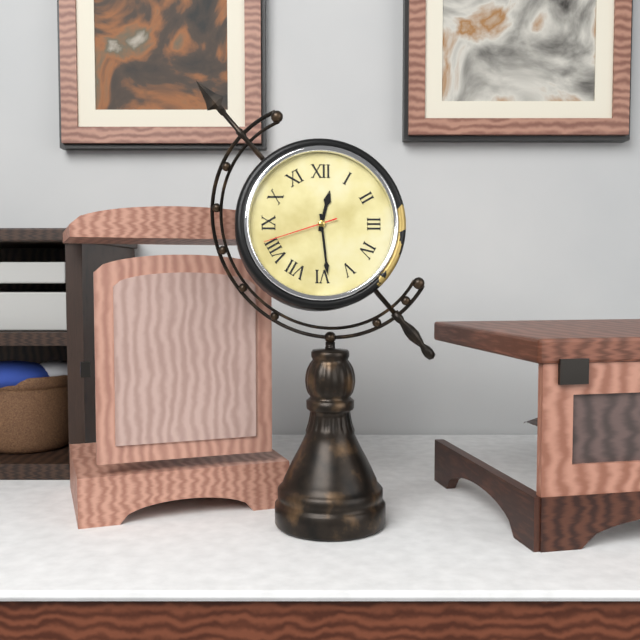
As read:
12.29.42
